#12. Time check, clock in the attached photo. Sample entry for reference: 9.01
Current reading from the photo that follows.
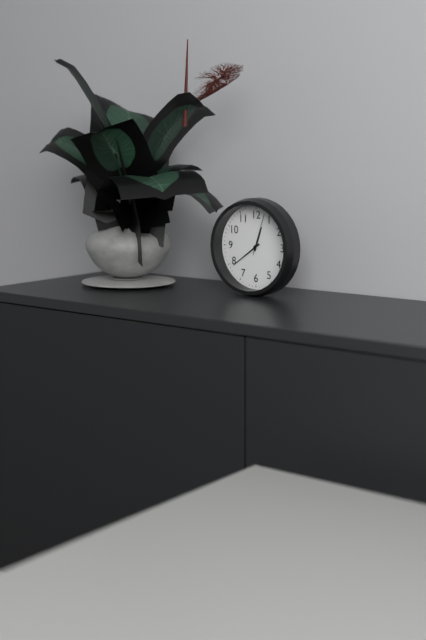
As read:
12.39
